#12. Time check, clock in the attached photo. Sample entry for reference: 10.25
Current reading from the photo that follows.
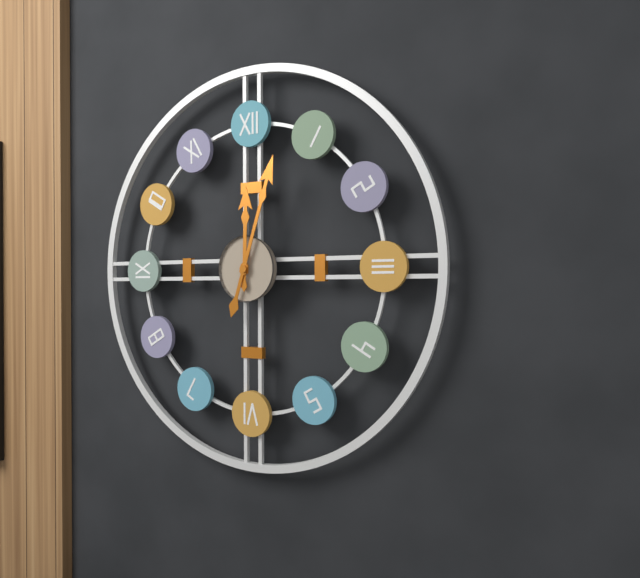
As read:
12.03
